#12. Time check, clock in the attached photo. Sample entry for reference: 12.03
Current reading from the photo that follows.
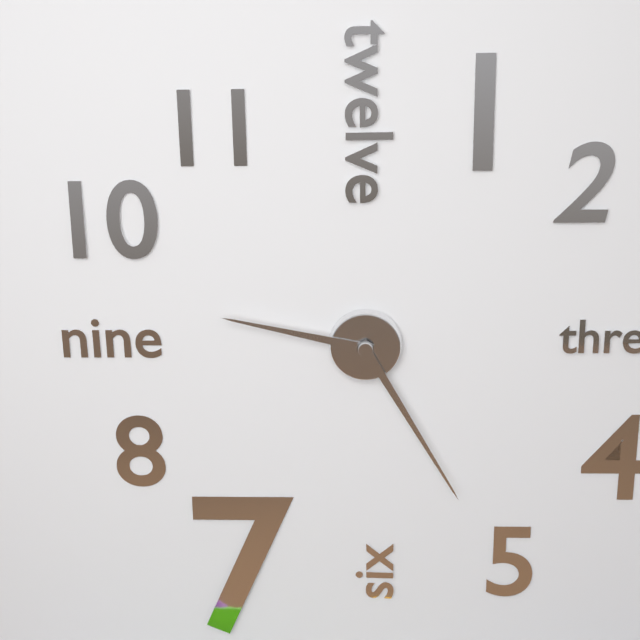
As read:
9.25
